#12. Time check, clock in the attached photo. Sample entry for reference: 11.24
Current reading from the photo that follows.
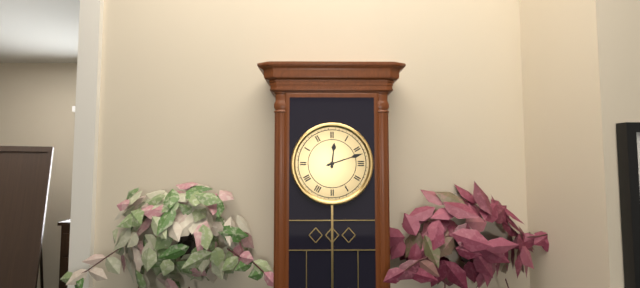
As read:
12.12
